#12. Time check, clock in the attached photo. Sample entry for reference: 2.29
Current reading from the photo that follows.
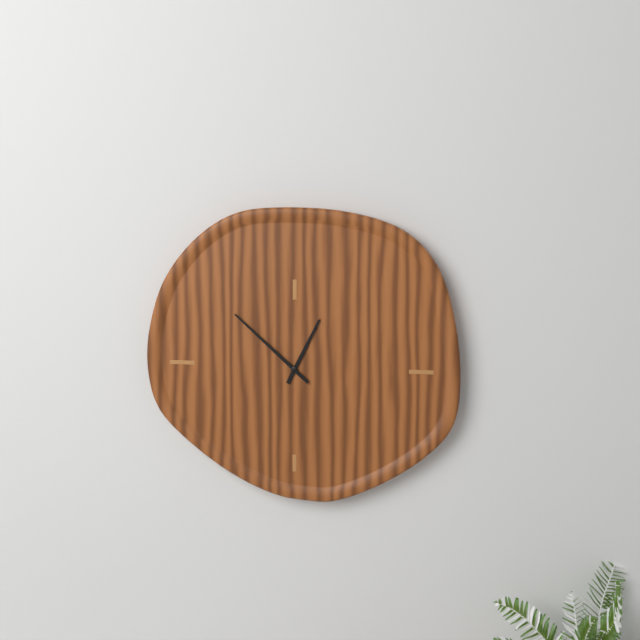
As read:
12.52
